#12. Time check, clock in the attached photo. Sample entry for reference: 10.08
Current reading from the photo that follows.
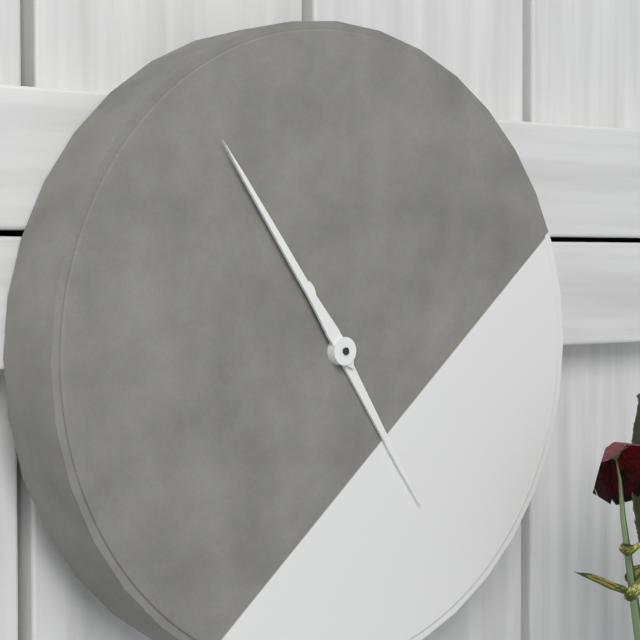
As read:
4.54
